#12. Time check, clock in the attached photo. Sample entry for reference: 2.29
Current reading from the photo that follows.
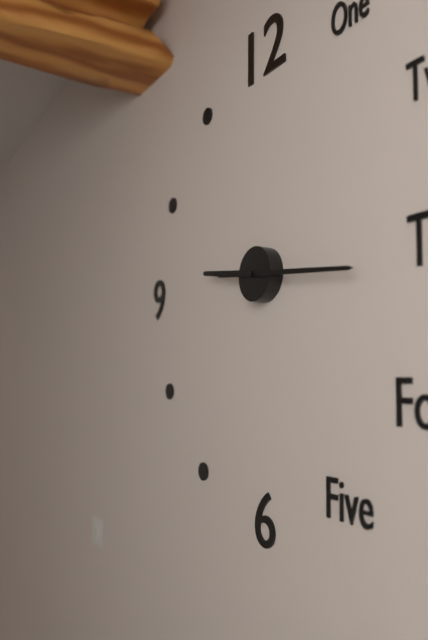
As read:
9.16
